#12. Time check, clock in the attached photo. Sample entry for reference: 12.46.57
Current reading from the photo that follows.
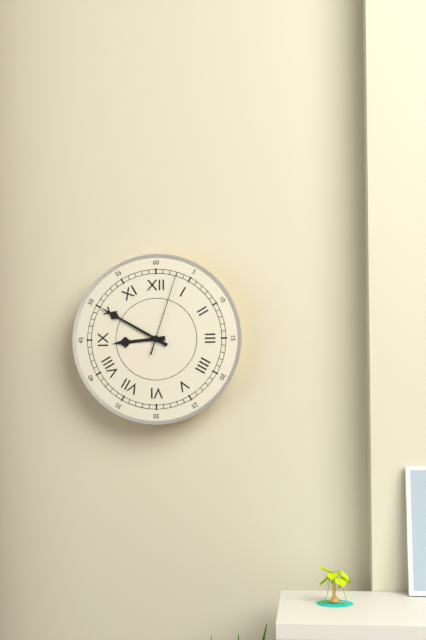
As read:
8.50.03
